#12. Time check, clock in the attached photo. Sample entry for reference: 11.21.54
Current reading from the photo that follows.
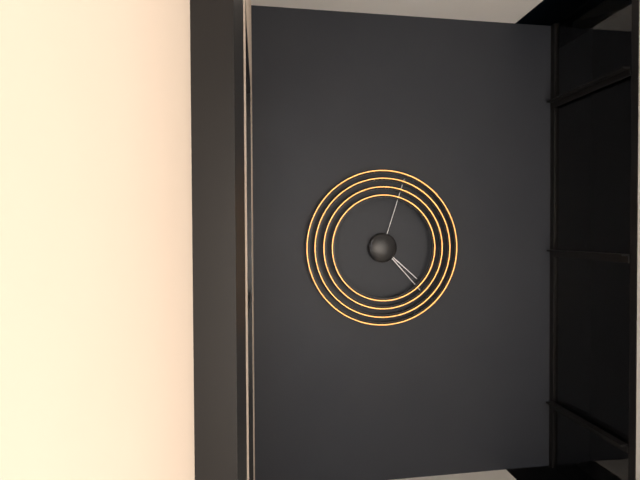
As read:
4.23.03
